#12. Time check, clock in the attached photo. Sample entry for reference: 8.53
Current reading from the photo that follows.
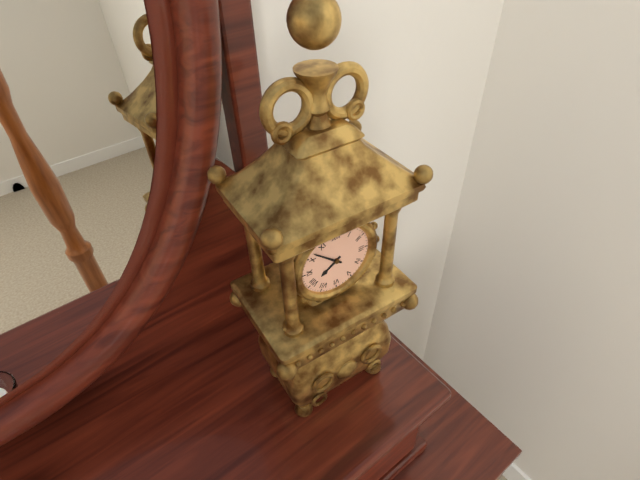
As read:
7.52
